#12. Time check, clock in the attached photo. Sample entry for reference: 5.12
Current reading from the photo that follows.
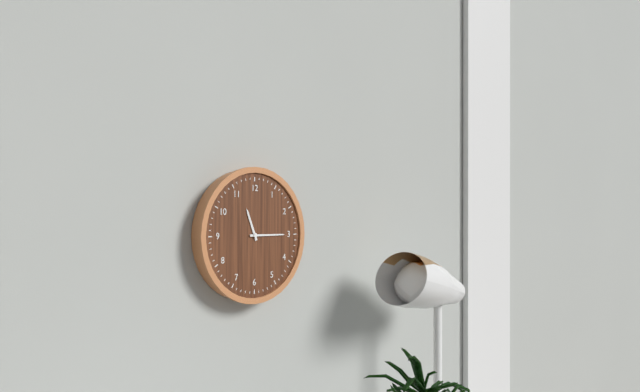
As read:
11.15
